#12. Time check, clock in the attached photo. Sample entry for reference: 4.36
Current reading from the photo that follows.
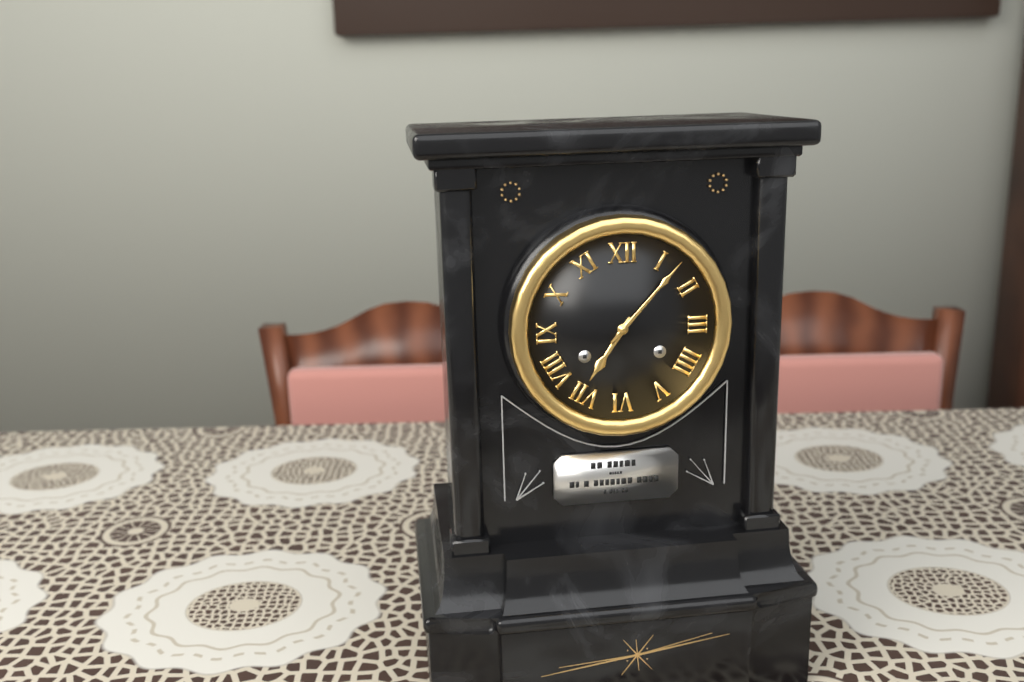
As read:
7.07
